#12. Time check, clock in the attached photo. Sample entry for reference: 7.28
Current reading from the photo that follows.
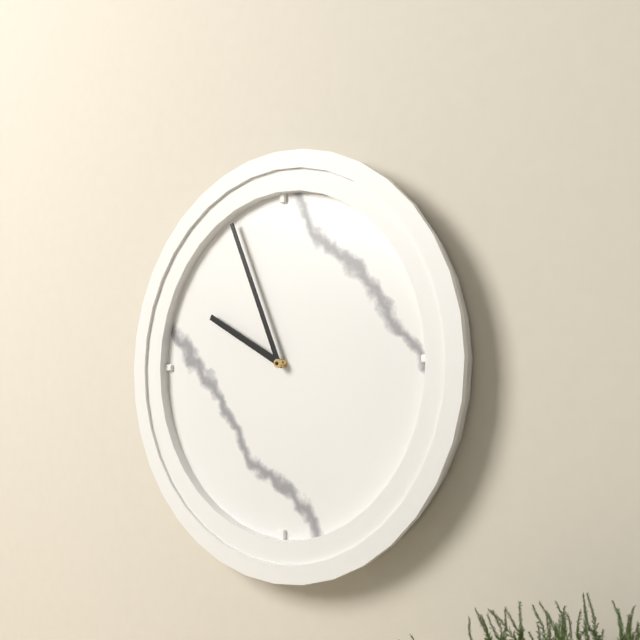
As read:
9.56
